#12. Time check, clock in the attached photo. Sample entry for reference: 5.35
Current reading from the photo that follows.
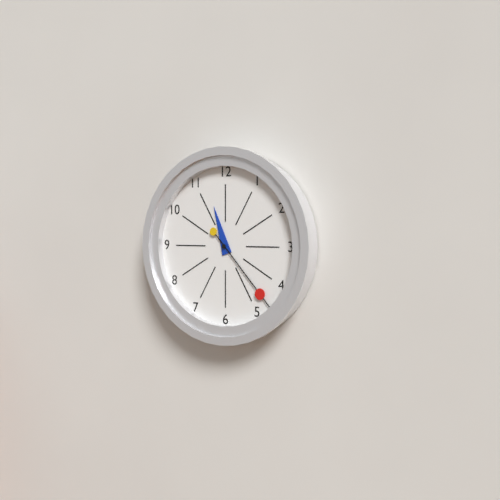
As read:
11.23
